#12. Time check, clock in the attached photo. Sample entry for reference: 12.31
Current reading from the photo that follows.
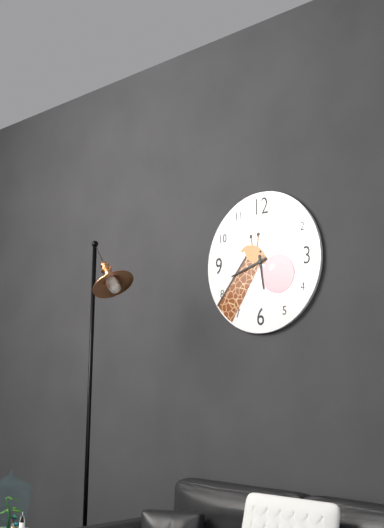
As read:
5.42
